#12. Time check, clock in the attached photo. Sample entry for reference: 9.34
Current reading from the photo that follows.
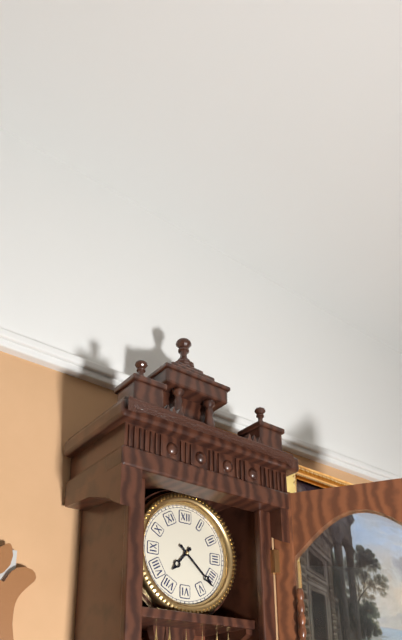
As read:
7.22
